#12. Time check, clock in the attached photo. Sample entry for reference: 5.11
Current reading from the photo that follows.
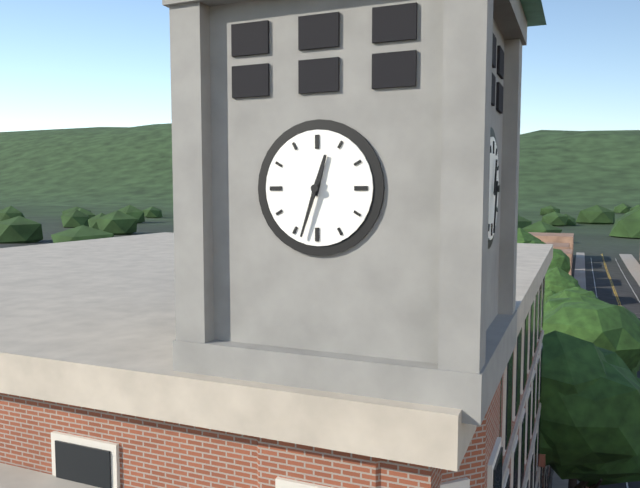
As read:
12.33
